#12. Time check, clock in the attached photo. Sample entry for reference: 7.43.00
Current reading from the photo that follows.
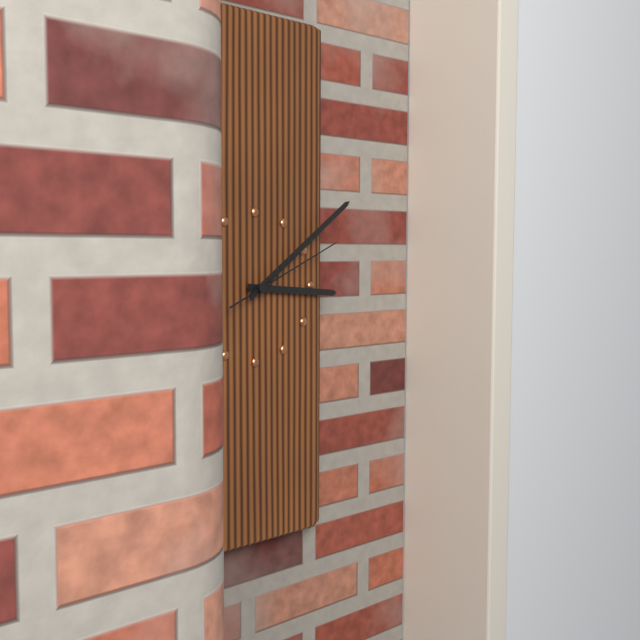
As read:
3.09.11
